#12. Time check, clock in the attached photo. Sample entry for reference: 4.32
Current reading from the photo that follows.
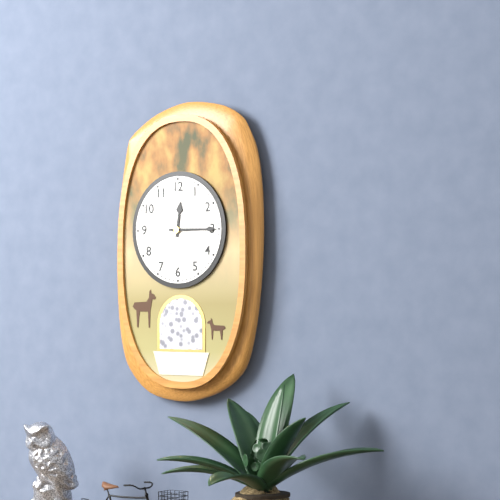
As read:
12.15
